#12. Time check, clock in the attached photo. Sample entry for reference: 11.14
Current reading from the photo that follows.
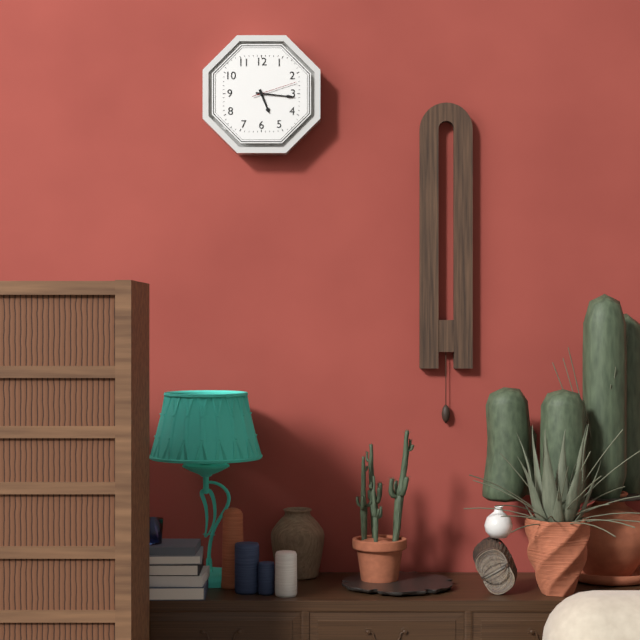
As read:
5.16
